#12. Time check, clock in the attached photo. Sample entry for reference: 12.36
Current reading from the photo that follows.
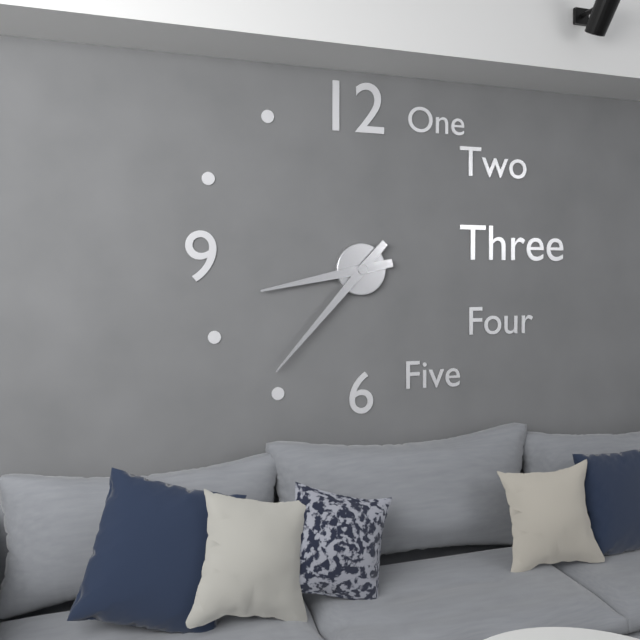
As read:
8.37
